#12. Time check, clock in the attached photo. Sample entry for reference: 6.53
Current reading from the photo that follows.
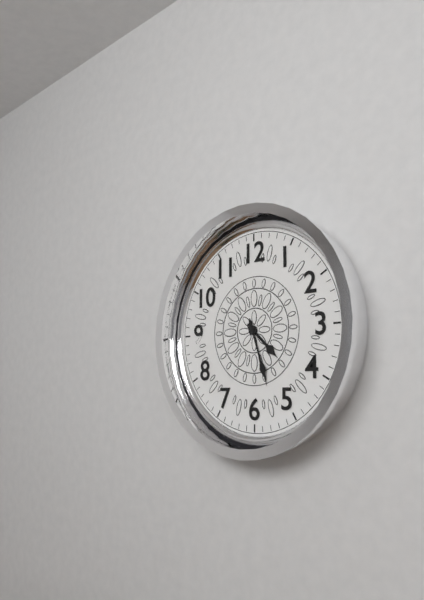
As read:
4.27
